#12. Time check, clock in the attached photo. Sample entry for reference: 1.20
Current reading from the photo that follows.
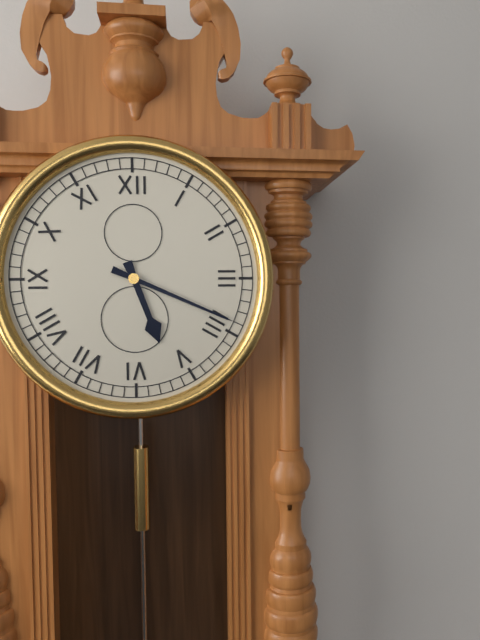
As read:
5.19
